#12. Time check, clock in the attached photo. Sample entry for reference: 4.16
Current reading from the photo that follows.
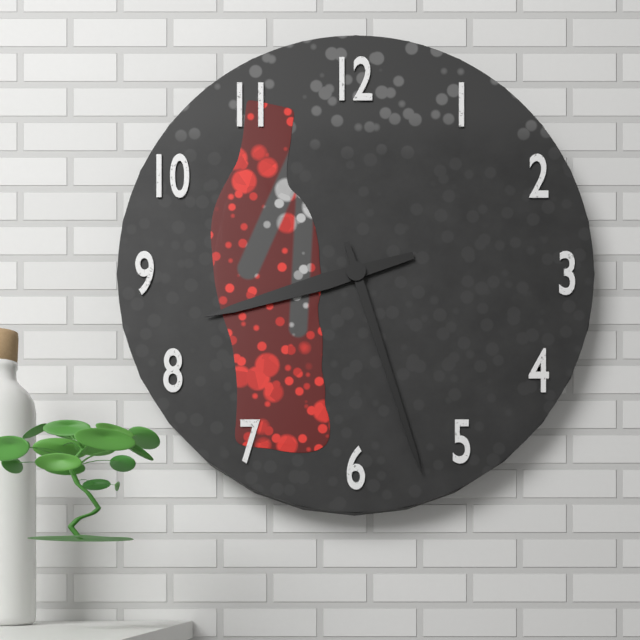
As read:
8.27
